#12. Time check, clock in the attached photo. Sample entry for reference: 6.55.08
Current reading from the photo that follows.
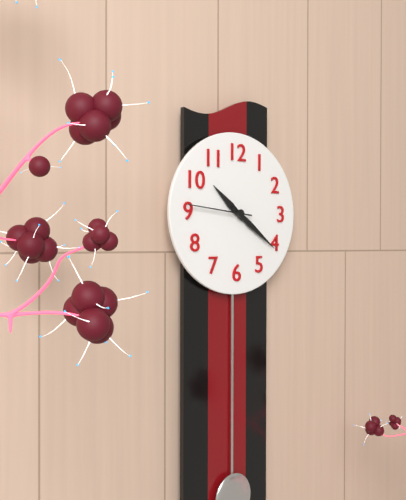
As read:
10.21.46
